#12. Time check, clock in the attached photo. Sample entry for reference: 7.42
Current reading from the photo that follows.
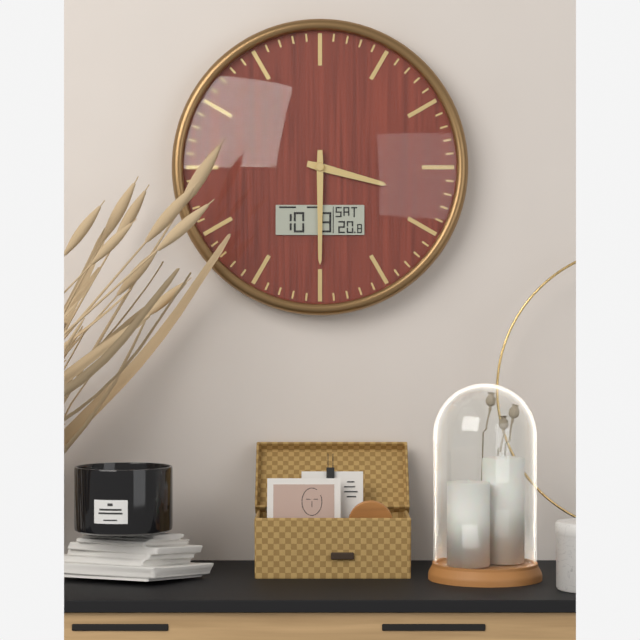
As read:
3.30
